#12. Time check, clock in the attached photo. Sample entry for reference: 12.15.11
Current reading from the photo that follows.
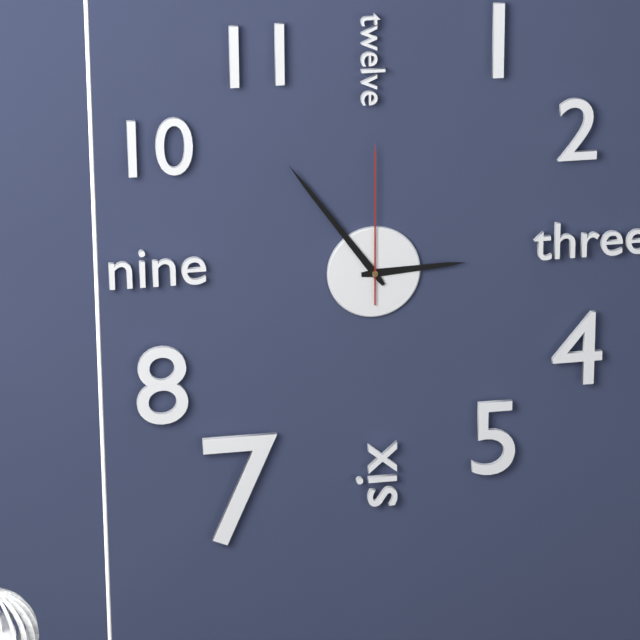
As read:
2.54.00
